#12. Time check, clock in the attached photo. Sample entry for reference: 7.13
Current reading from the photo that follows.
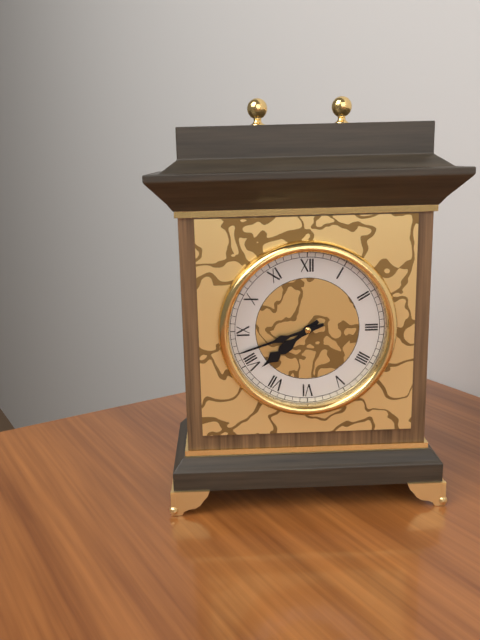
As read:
7.42
